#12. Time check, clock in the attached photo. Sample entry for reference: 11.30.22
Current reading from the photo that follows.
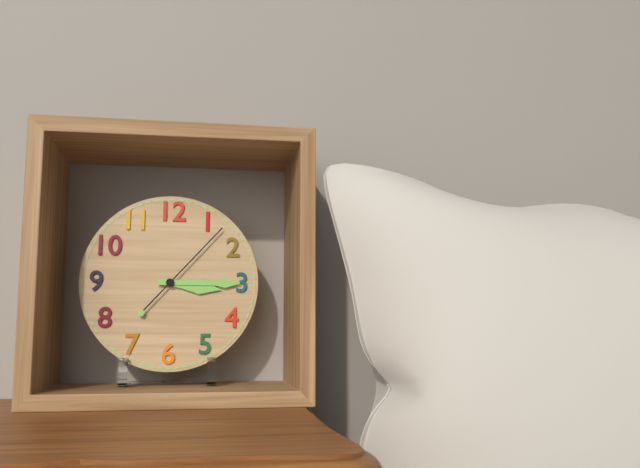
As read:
3.15.07
